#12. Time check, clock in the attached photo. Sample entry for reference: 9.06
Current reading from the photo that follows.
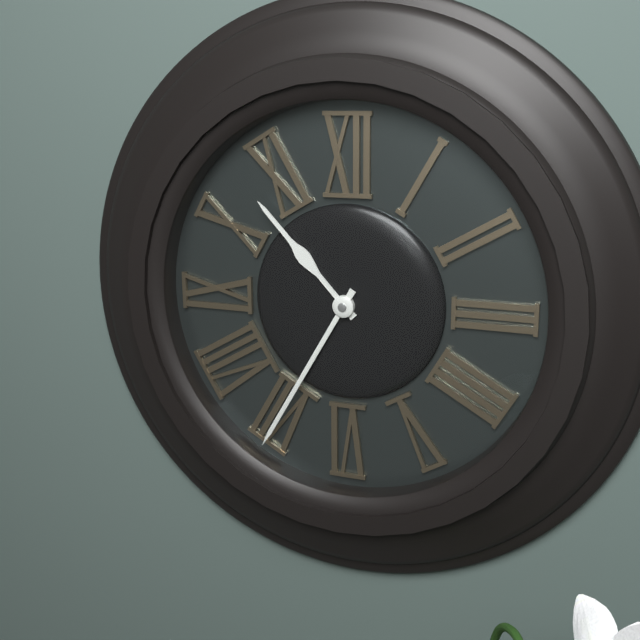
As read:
10.35
